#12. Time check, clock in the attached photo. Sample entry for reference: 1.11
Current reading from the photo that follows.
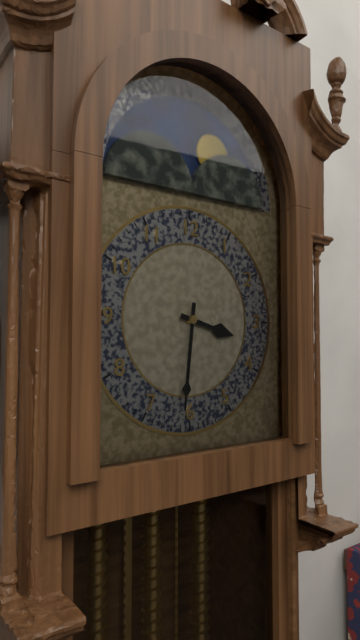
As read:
3.31
